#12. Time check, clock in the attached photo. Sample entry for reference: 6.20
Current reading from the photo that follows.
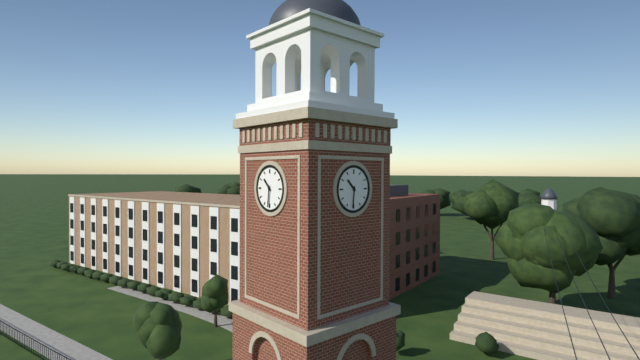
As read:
10.31
